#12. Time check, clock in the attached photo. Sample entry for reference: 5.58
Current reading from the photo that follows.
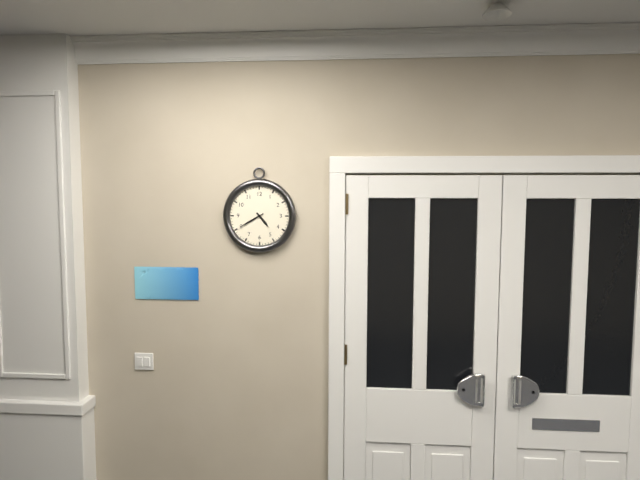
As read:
4.40
